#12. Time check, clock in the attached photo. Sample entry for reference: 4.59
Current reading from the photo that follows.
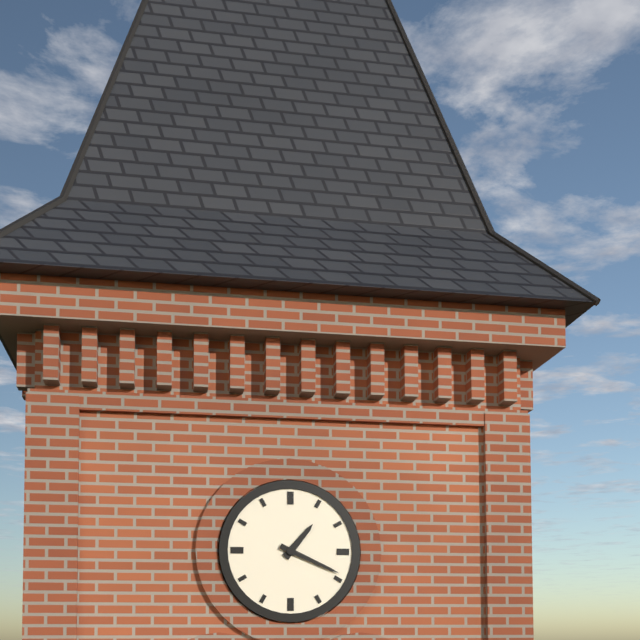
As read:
1.19
